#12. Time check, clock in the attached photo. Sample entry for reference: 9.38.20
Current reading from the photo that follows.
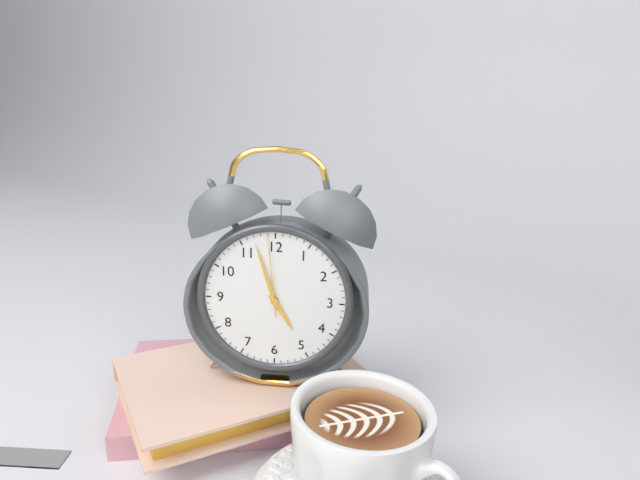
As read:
4.57.59
